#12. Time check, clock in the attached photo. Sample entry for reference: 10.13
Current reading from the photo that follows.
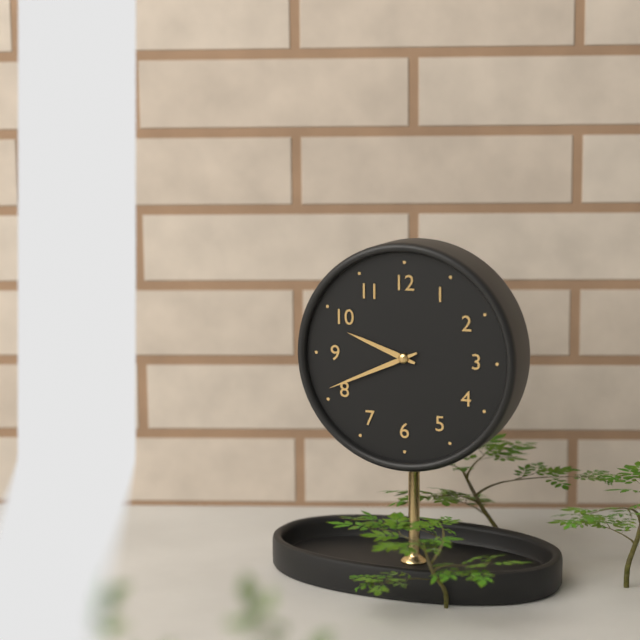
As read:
9.41
